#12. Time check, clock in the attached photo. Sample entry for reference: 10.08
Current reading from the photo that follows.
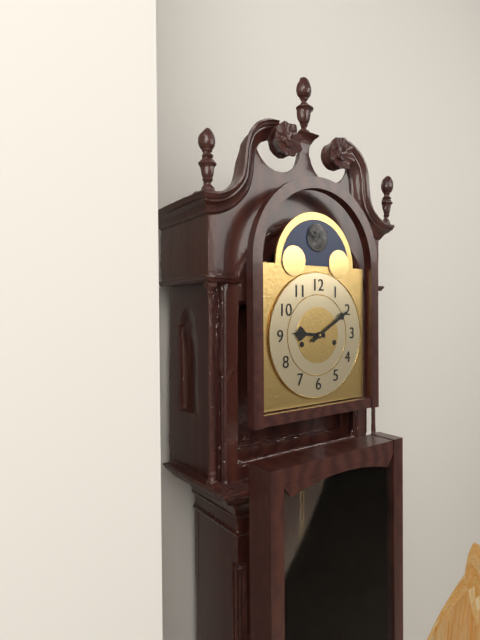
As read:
9.10
